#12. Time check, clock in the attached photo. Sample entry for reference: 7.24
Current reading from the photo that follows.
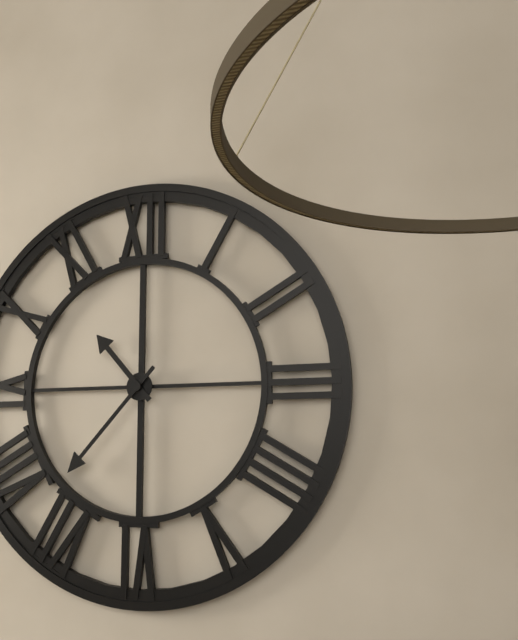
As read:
10.37
